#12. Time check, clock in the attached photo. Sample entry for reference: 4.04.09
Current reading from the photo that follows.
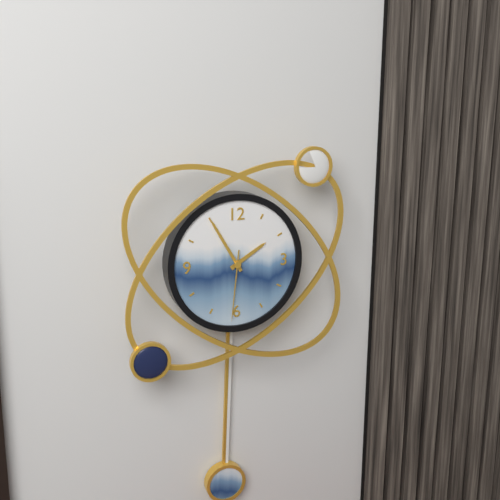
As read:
1.55.31
